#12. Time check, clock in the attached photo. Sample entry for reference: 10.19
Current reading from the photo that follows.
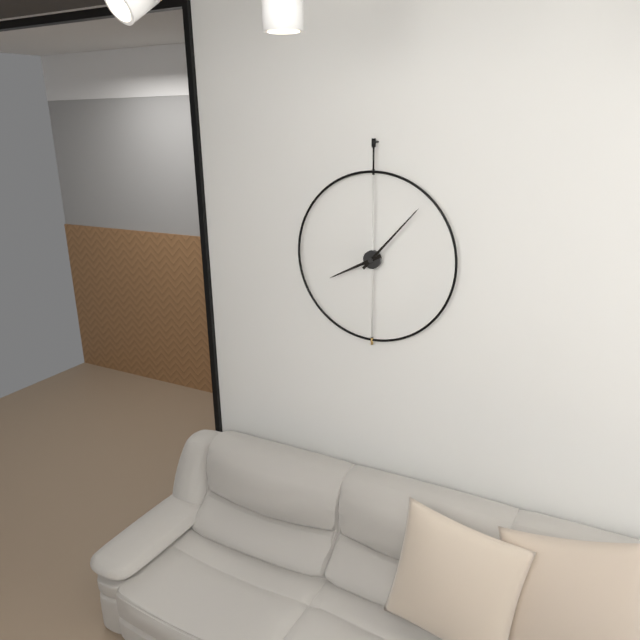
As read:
8.07
